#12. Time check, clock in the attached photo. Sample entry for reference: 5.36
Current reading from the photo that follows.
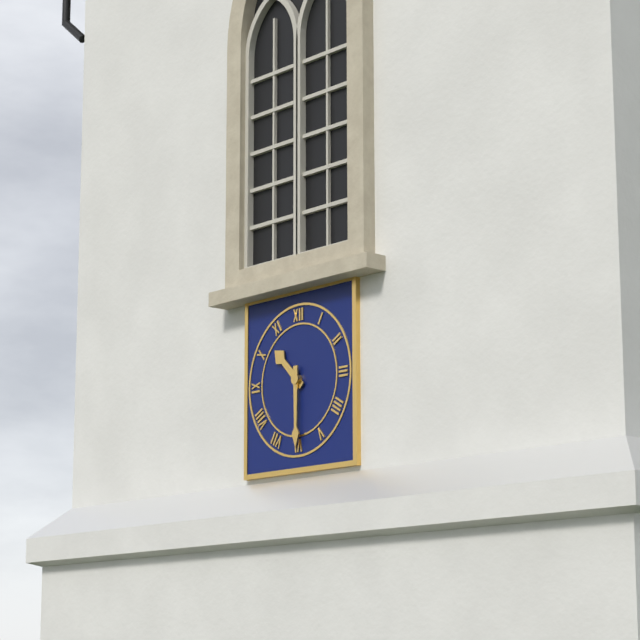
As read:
10.30
